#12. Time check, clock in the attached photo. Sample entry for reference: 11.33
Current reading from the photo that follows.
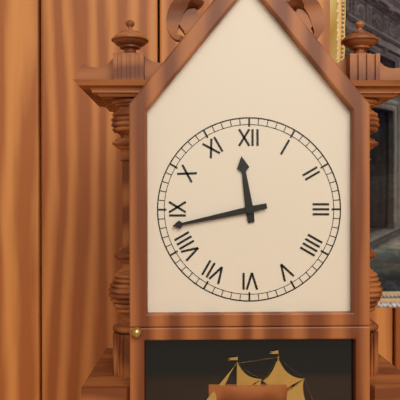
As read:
11.43
